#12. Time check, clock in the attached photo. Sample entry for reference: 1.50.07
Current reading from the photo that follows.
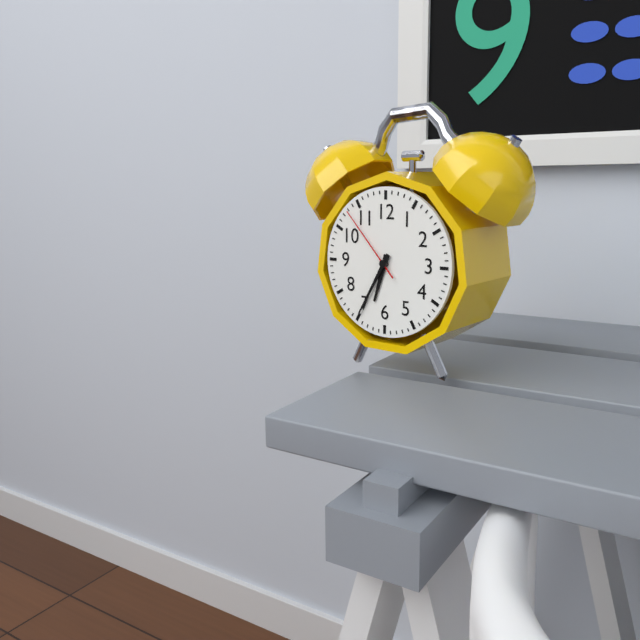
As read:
6.35.53
